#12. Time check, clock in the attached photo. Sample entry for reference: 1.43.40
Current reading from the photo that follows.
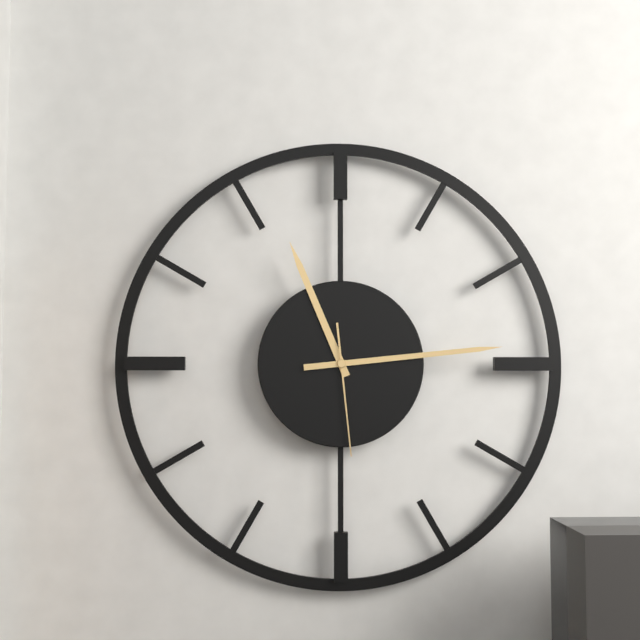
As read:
11.14.29
